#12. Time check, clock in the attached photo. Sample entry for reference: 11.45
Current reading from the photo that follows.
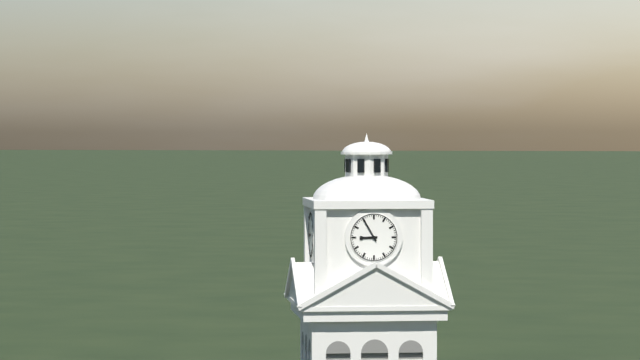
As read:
8.55
